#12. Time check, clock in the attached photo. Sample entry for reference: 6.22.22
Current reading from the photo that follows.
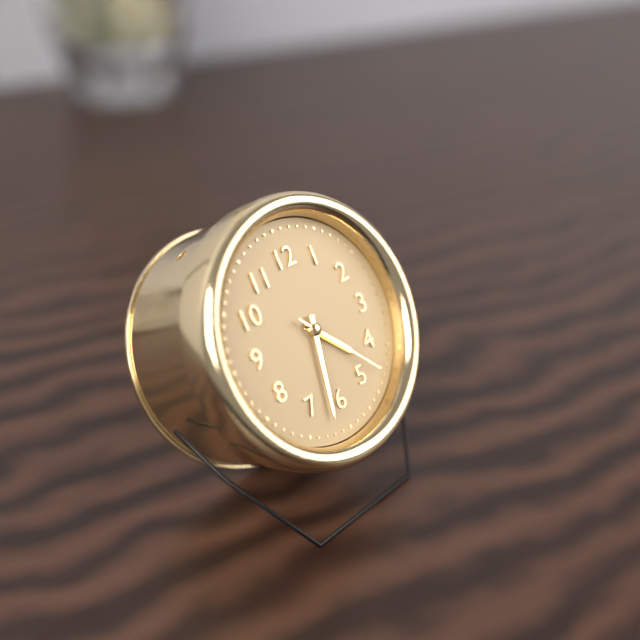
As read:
4.32.23
